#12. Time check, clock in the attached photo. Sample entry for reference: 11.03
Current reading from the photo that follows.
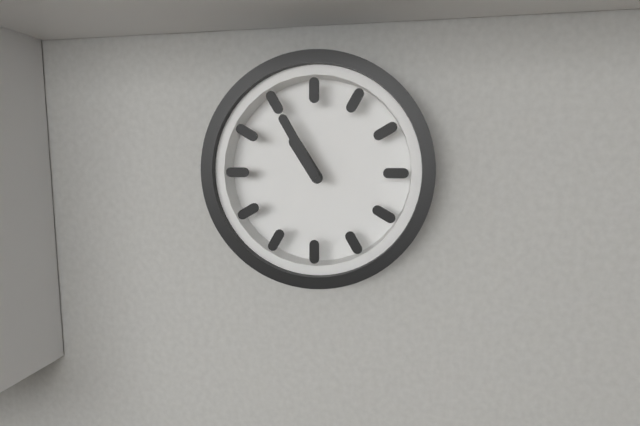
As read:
10.55
